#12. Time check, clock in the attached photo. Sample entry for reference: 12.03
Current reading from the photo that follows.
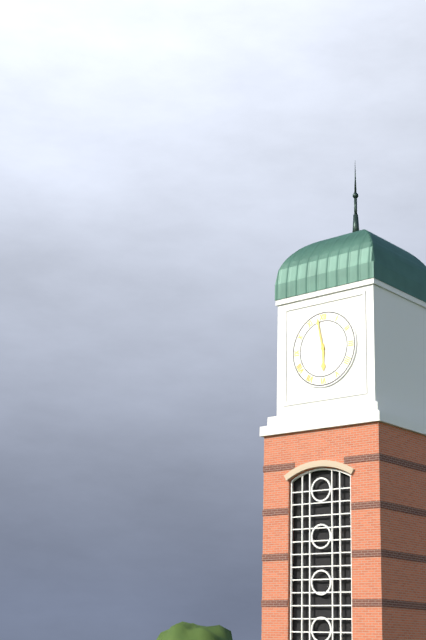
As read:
5.58
